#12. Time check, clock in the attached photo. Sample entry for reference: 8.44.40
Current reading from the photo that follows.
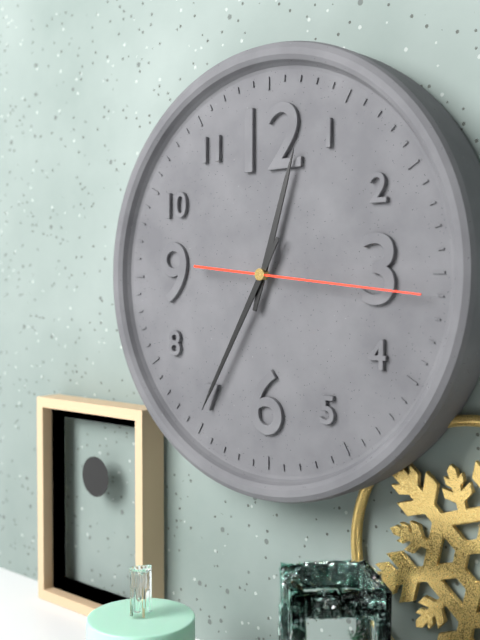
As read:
12.35.16
